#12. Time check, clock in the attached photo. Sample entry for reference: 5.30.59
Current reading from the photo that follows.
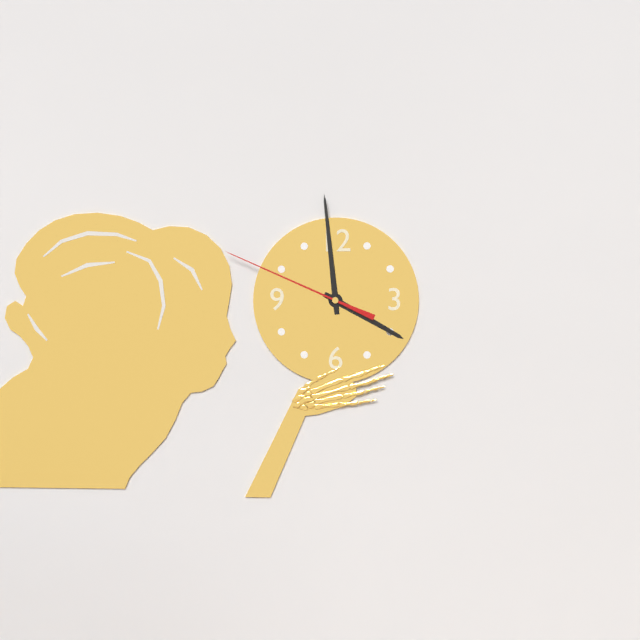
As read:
3.59.49
